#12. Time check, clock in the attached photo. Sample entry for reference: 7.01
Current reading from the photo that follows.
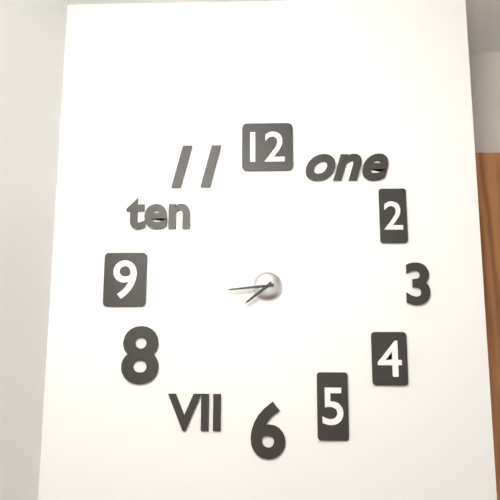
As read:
7.44
